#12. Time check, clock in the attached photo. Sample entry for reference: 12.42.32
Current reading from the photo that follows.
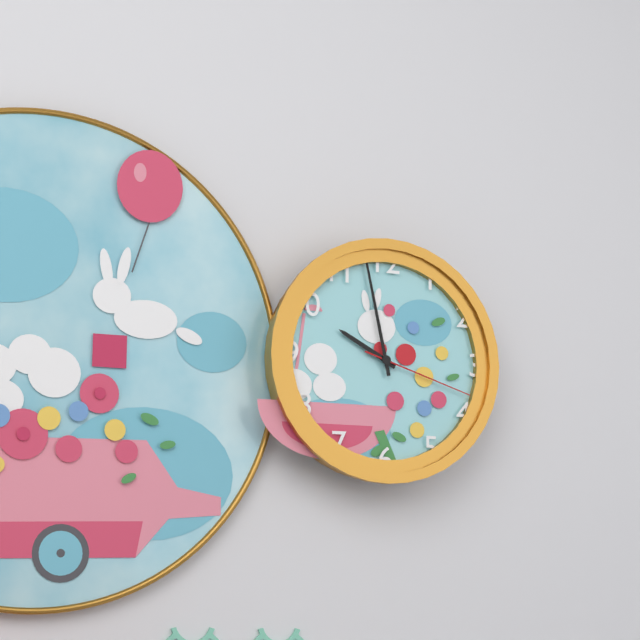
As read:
9.58.18
